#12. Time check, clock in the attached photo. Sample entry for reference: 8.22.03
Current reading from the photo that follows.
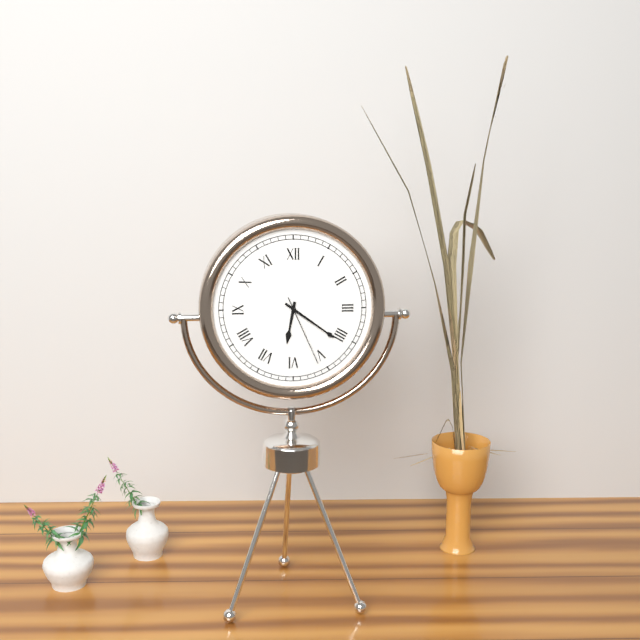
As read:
6.21.26
